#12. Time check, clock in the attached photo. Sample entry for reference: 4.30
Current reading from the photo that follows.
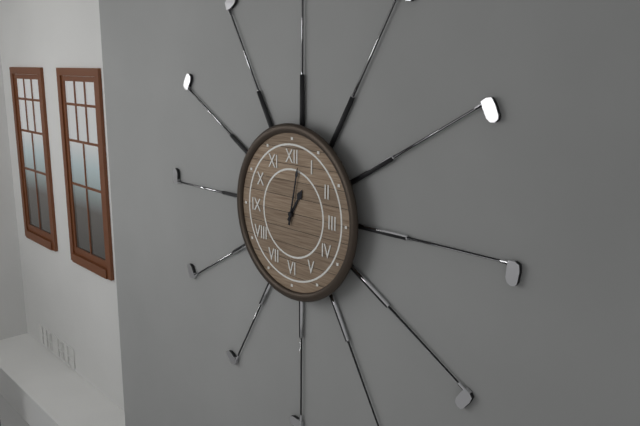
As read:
1.02
